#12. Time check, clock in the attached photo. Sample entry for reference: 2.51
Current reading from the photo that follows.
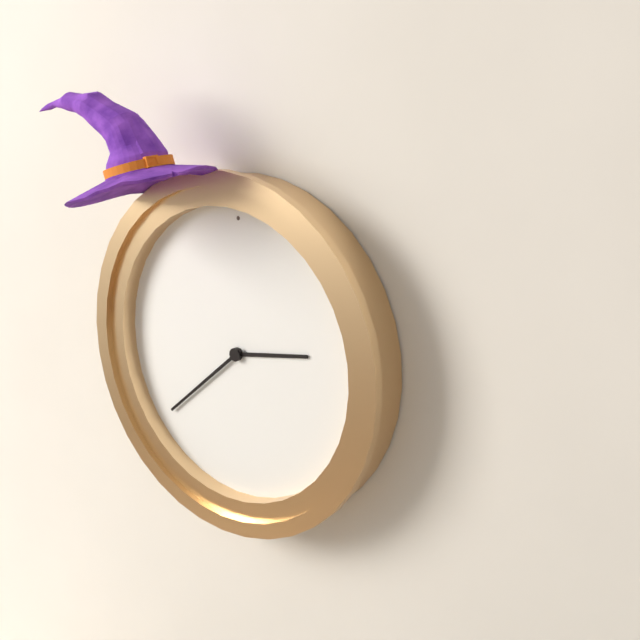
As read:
2.38
